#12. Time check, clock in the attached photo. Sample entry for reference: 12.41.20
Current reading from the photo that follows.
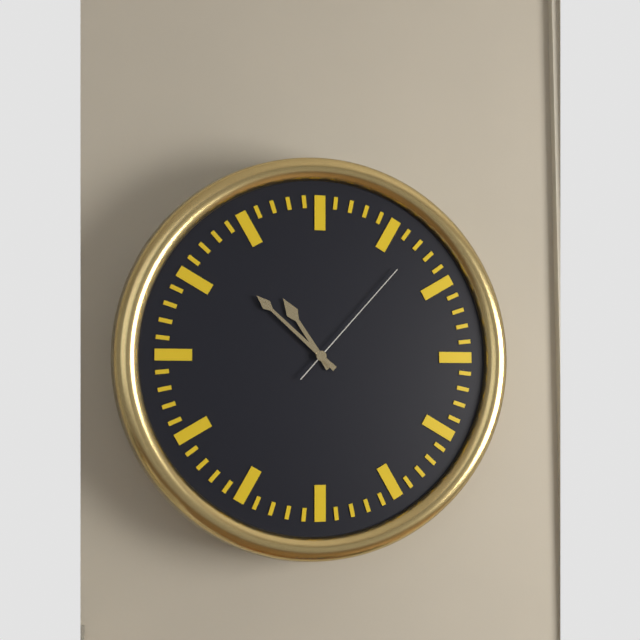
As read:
10.52.07
